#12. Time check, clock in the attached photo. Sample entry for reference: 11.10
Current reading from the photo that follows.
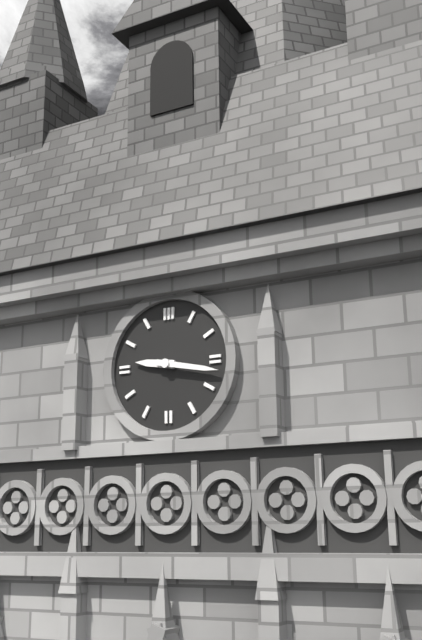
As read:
9.17
